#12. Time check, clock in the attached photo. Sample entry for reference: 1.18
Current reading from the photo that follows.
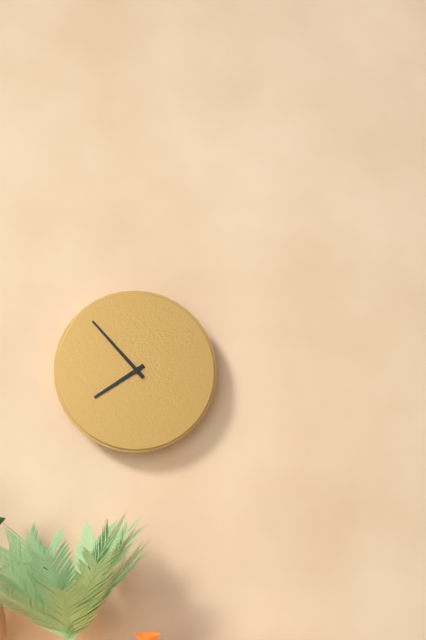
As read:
7.53
